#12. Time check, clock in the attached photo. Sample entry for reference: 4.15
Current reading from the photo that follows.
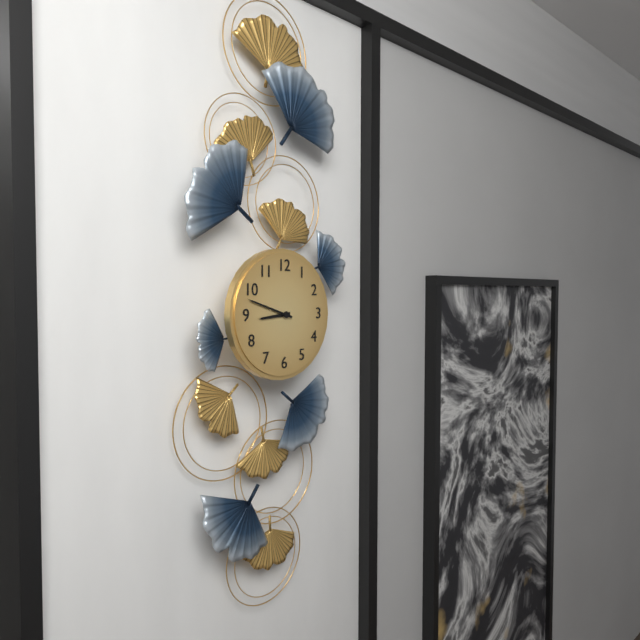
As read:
8.48
